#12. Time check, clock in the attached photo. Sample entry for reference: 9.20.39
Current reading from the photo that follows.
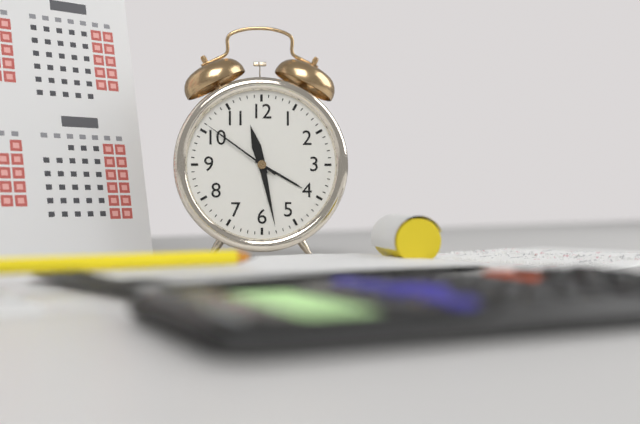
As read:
11.28.51
